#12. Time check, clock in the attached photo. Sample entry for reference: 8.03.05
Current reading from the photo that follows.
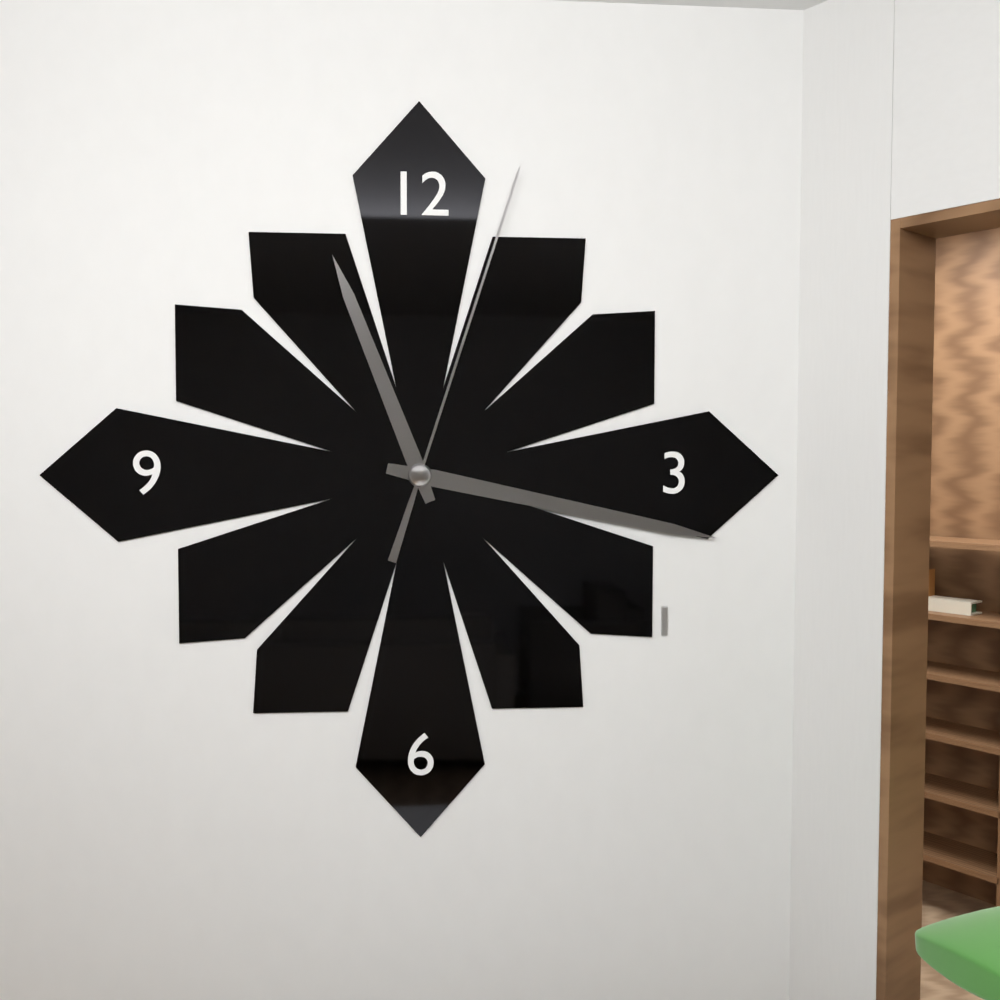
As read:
11.17.03
